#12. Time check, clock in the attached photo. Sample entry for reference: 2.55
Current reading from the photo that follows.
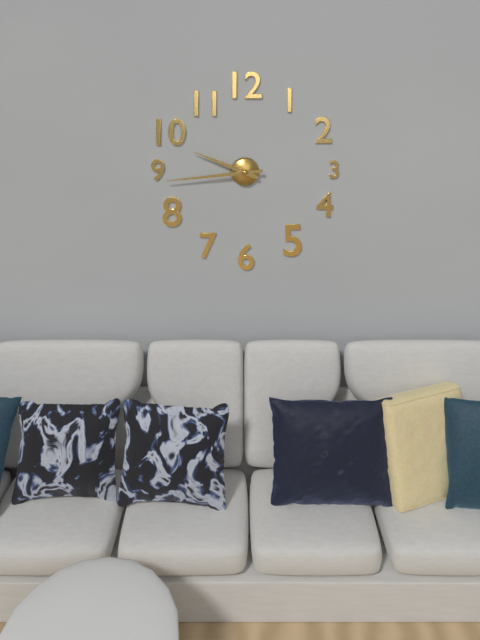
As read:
9.44
